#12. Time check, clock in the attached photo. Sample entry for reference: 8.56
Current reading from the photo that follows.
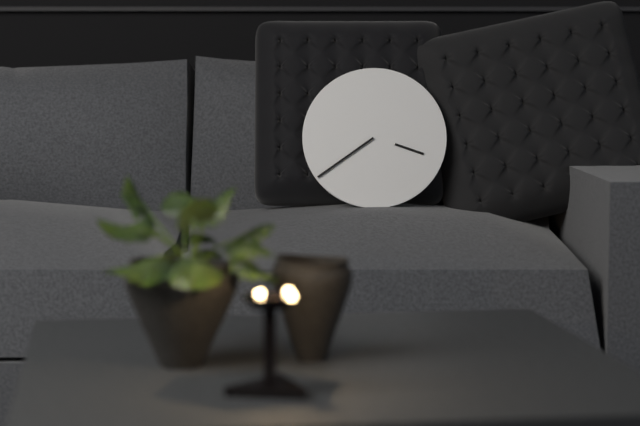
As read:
3.39
